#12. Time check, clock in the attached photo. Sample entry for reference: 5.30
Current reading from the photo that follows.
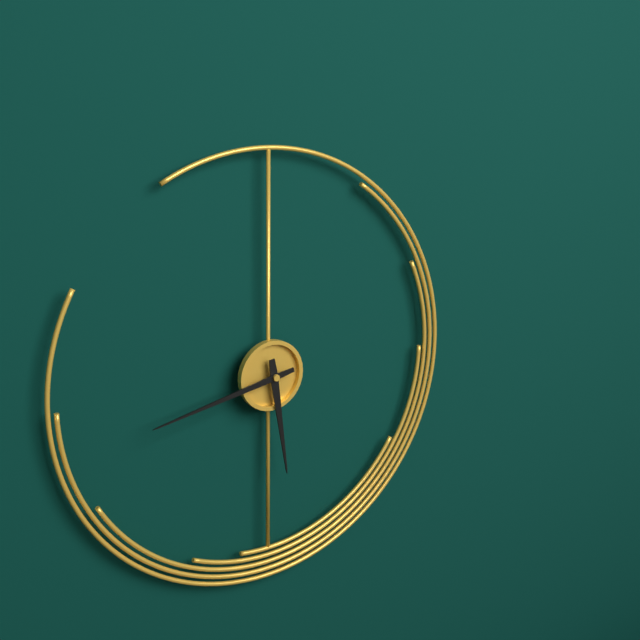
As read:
5.43
